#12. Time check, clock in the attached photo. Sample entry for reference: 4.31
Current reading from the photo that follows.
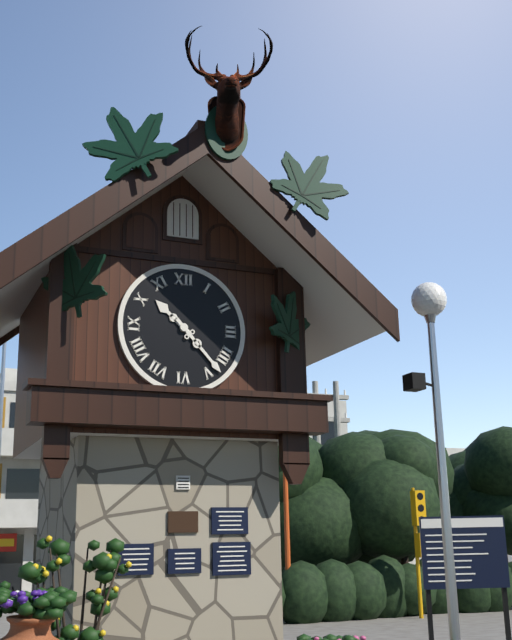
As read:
10.23
